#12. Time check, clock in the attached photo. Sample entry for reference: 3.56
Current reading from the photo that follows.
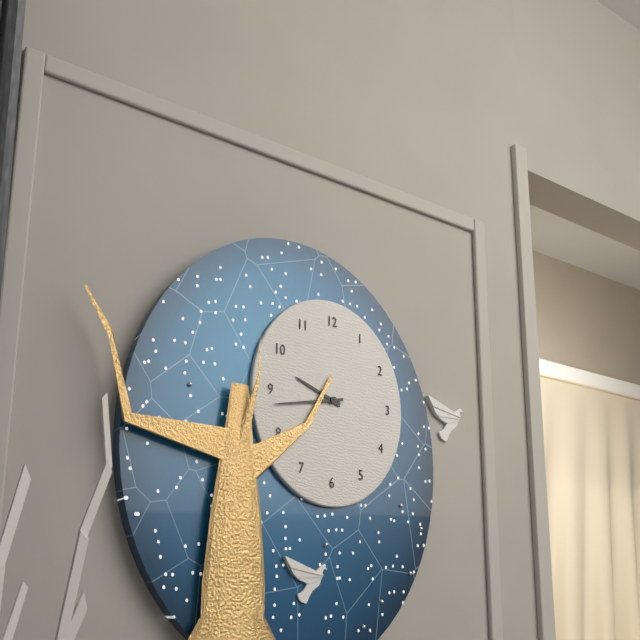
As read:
9.43
